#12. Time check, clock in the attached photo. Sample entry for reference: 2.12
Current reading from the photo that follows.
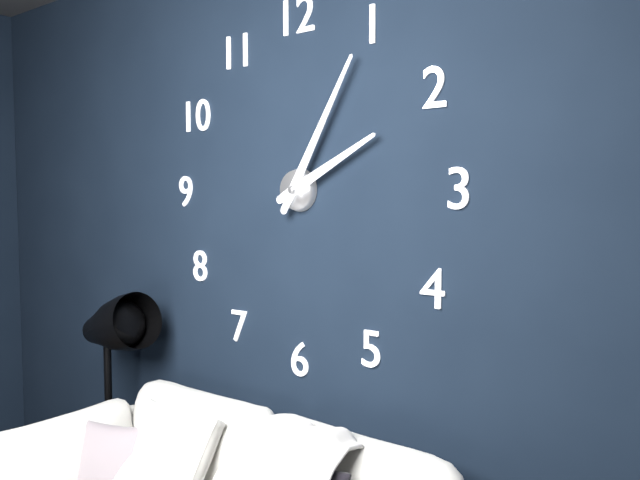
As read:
2.05
